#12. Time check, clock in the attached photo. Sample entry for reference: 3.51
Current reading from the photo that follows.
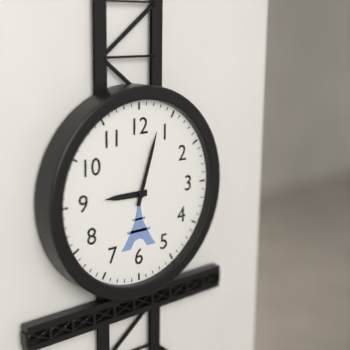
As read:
9.03
